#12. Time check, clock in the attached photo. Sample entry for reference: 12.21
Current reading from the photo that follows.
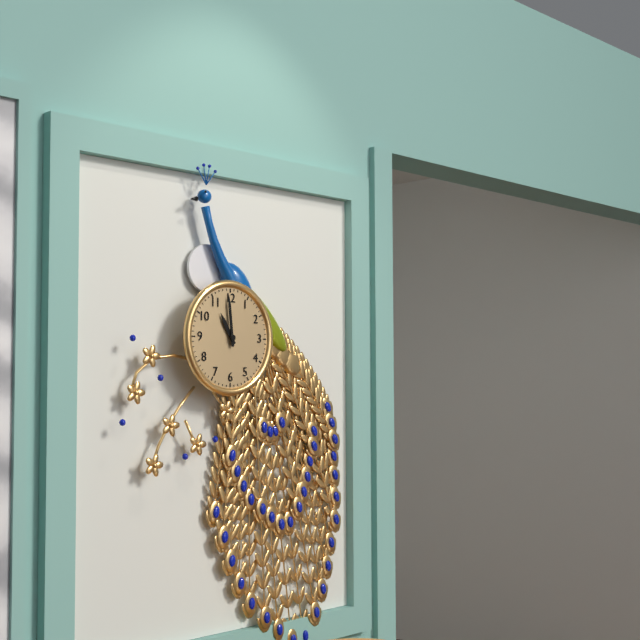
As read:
10.59
